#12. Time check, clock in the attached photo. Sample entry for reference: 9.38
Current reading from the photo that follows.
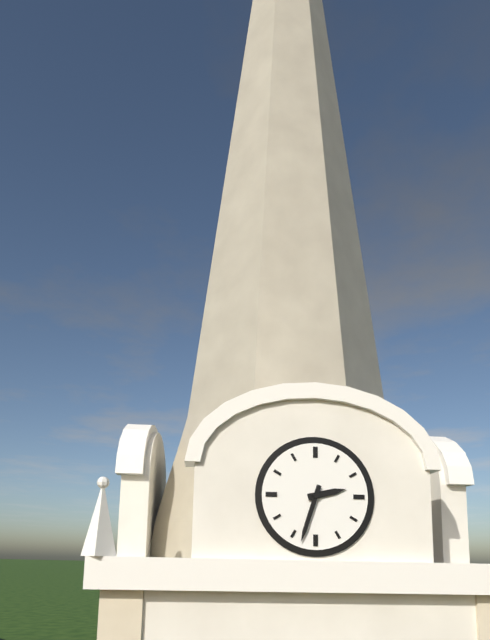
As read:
2.33
